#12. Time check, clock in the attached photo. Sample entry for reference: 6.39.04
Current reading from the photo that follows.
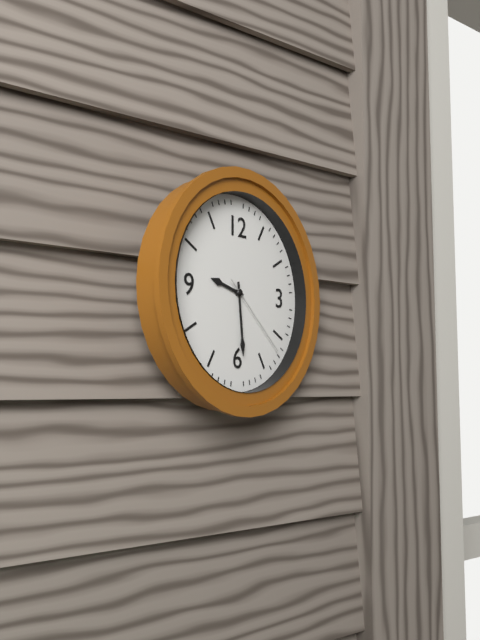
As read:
9.29.22
